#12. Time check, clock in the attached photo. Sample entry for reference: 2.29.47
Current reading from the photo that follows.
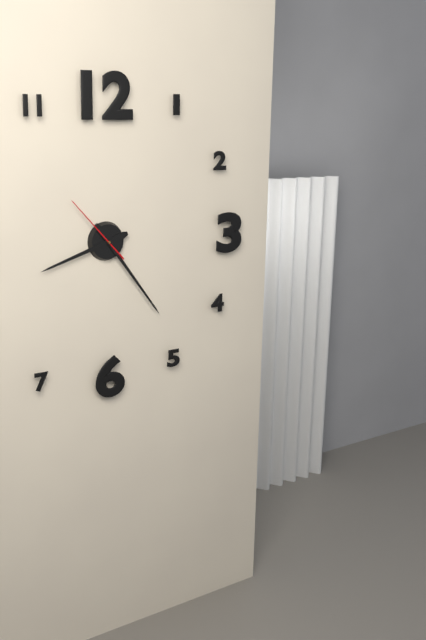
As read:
8.24.53
